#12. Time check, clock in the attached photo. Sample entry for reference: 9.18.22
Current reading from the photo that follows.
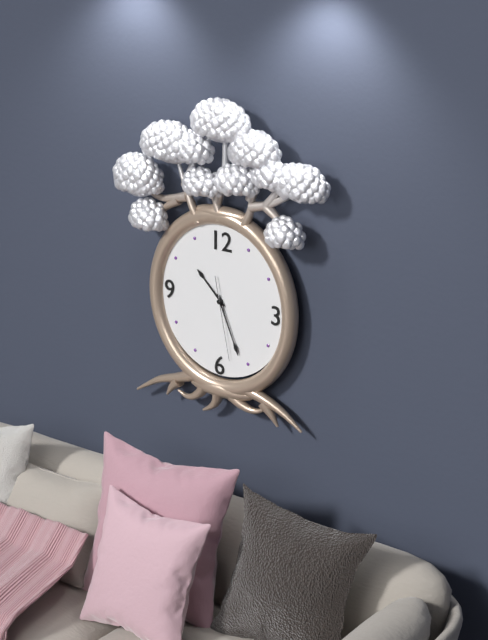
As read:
10.26.28
